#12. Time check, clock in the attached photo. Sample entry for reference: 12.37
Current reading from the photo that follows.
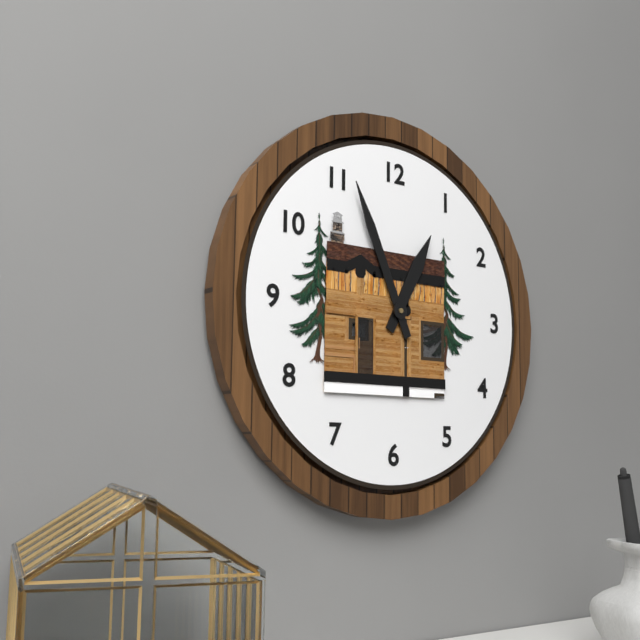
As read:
12.56
